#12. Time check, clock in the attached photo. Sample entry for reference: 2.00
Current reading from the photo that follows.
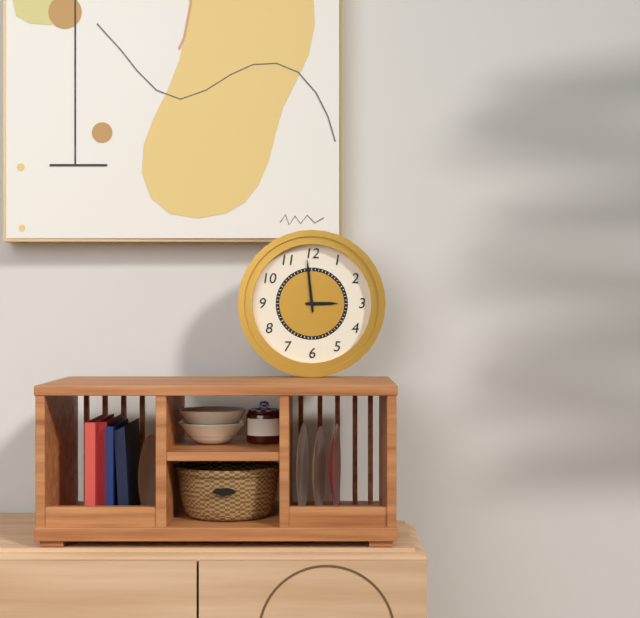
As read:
2.59
